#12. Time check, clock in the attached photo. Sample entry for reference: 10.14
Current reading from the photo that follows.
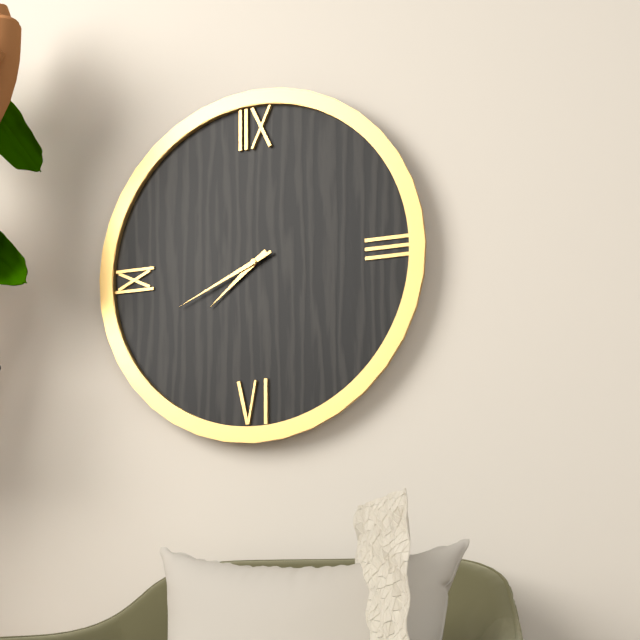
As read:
7.41
